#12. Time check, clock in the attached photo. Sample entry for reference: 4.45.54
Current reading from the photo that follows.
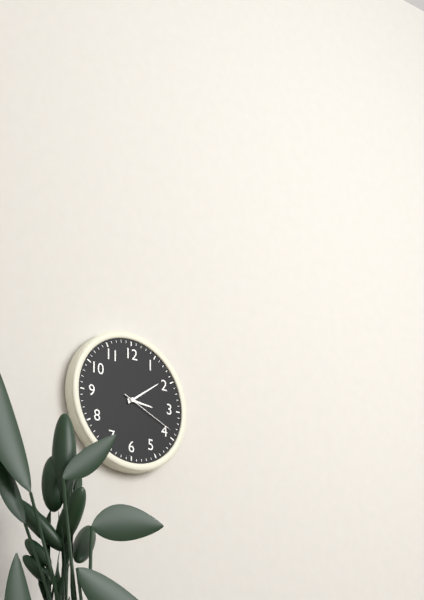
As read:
3.09.19
